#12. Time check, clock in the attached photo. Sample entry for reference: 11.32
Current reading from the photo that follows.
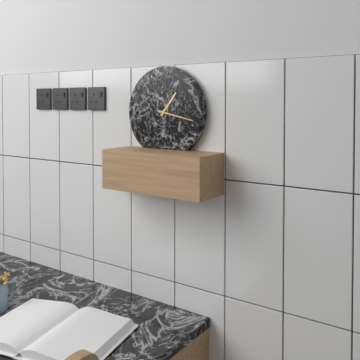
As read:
1.17
